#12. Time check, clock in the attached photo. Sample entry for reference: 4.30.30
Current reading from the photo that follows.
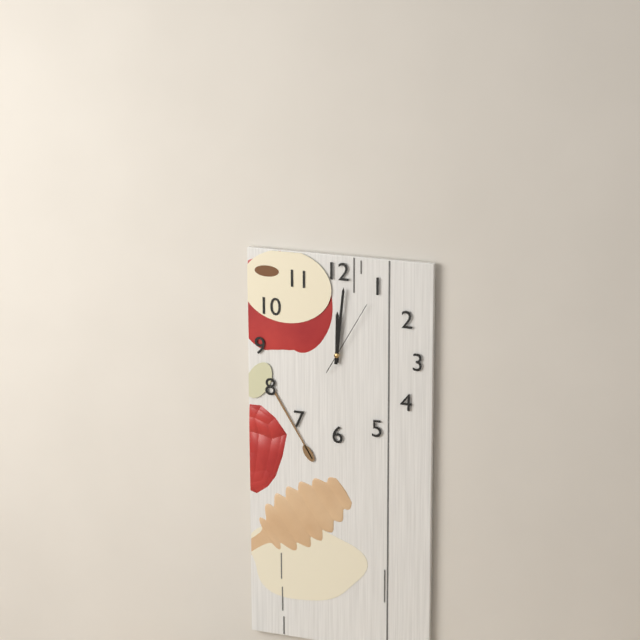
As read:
12.01.05
